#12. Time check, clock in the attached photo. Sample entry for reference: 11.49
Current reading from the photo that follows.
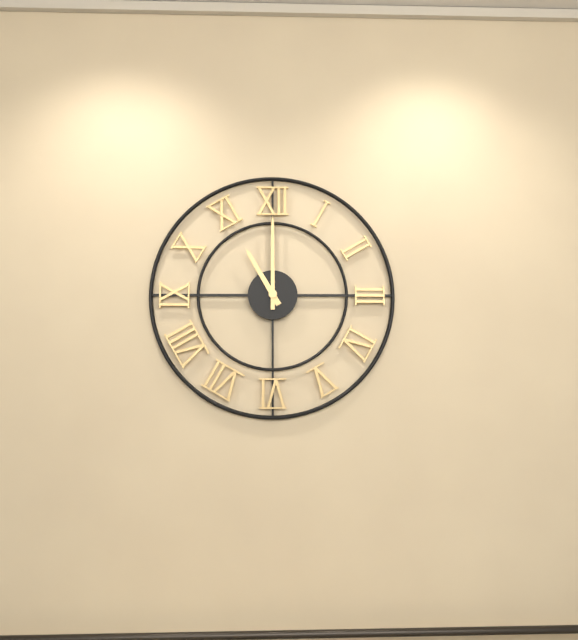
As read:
11.00
